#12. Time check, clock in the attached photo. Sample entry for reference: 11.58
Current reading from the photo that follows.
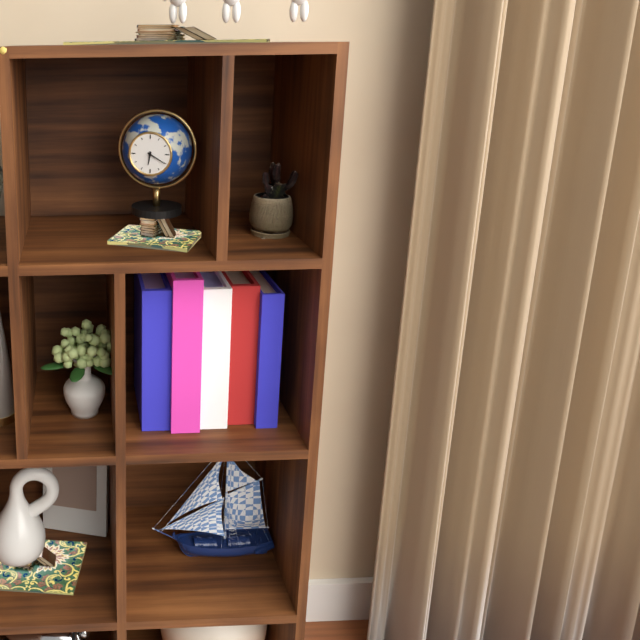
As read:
6.20
